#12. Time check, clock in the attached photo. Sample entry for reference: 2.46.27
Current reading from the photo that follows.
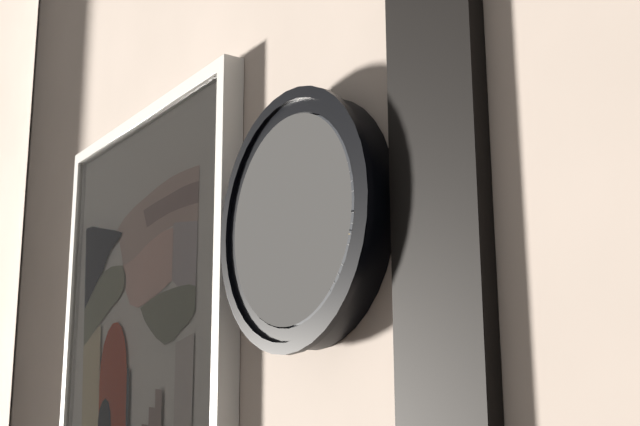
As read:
9.16.18
